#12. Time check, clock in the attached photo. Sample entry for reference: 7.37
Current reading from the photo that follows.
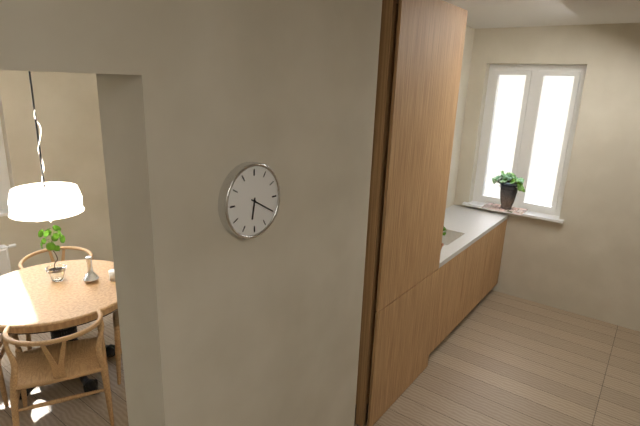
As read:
6.20
